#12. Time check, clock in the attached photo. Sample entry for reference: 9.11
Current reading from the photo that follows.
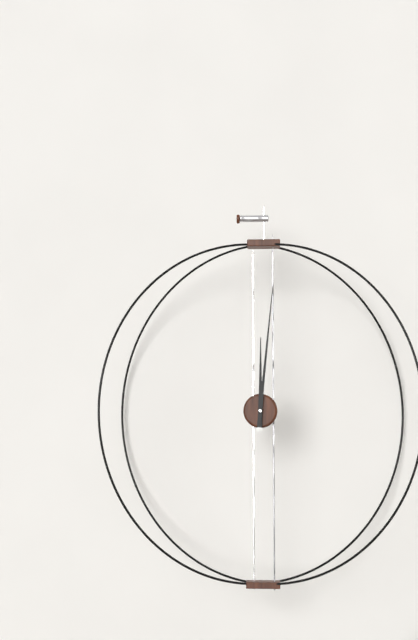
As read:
12.01
